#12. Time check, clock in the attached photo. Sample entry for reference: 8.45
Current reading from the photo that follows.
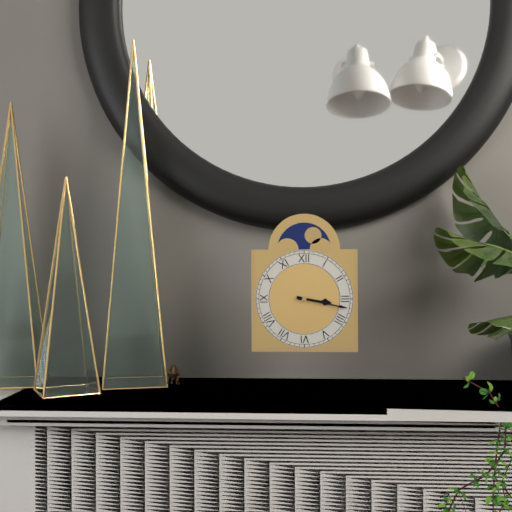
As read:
3.17
